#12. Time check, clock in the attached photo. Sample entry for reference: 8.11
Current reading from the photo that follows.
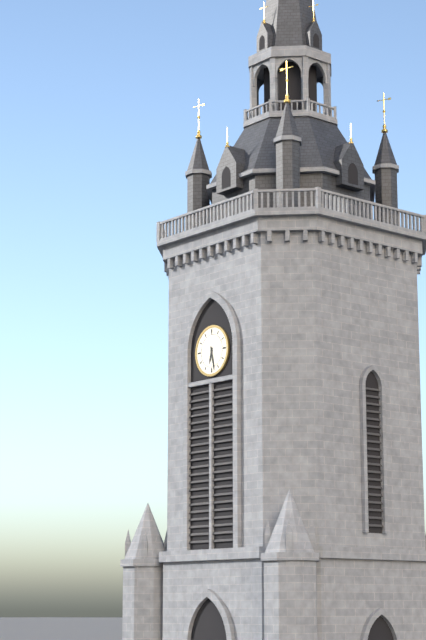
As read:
6.28
